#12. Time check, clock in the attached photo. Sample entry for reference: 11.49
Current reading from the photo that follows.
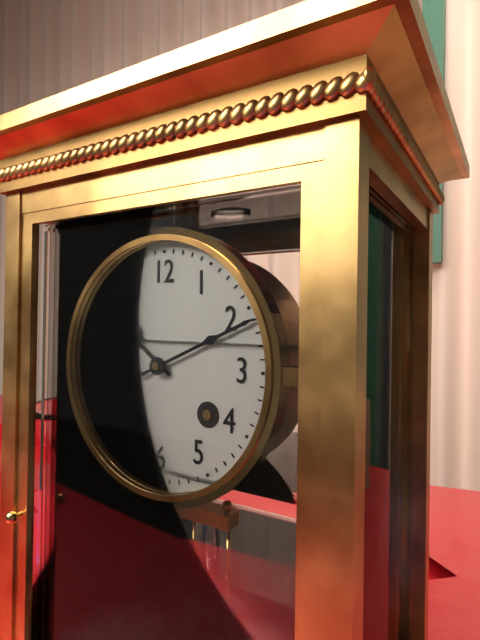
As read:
10.11
